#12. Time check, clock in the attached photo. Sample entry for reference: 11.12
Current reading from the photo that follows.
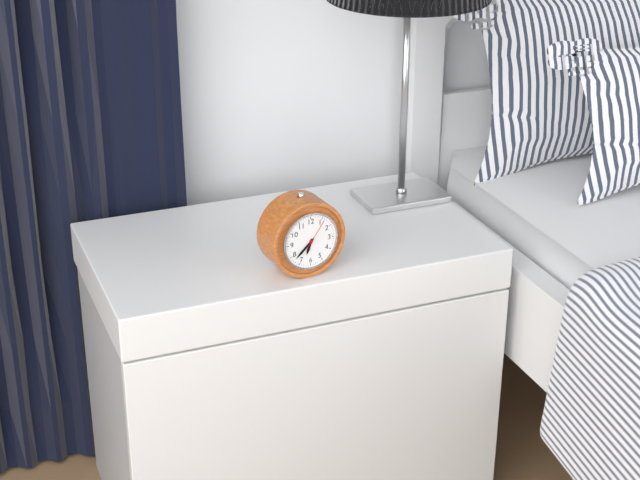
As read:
6.38
